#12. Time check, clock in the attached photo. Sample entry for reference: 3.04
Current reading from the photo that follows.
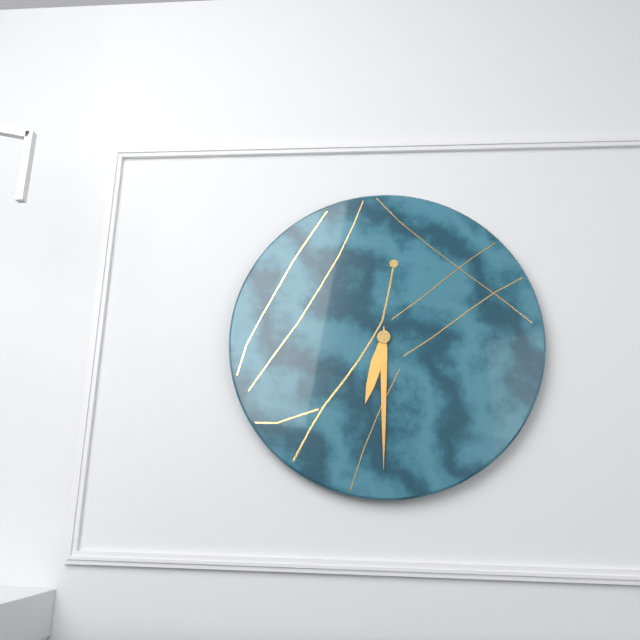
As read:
6.30
